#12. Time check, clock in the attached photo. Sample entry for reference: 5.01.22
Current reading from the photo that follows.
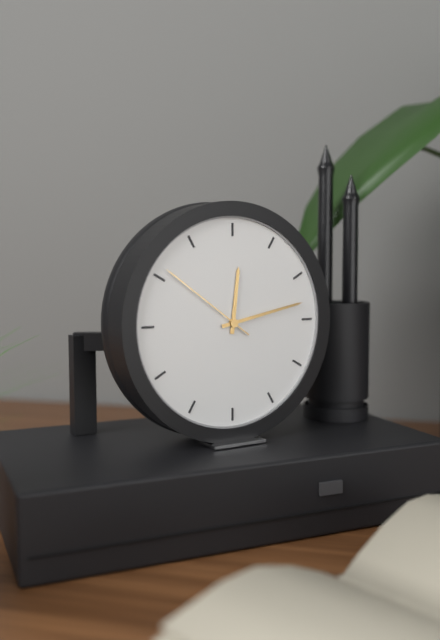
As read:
12.13.51
